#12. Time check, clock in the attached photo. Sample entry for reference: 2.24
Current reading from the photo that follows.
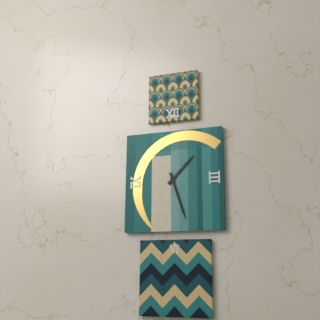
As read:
1.27
